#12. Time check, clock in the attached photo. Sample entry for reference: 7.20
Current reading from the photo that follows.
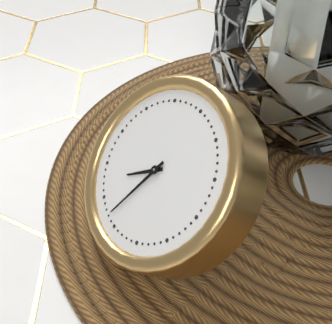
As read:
7.32
